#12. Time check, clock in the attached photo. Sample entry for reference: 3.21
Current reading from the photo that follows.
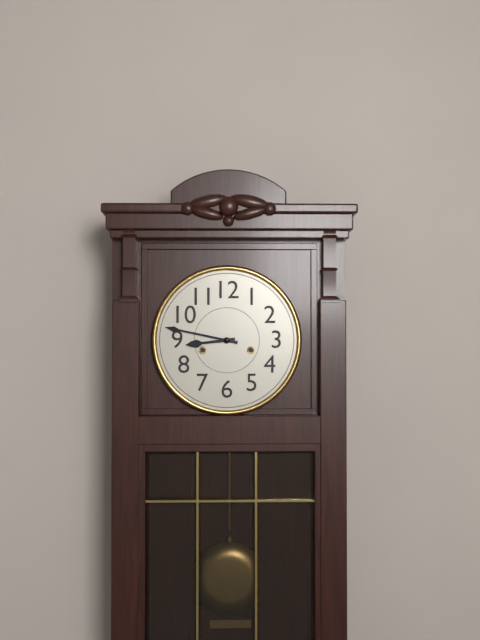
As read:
8.47
